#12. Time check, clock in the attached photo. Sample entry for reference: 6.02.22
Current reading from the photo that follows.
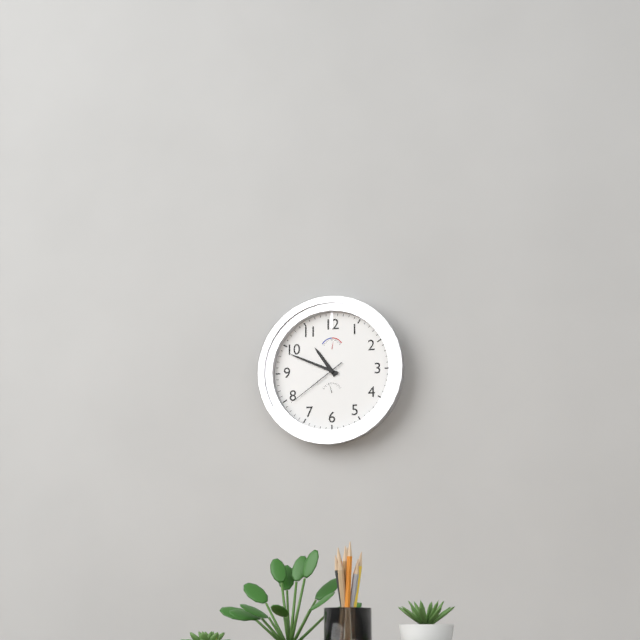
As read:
10.49.39
